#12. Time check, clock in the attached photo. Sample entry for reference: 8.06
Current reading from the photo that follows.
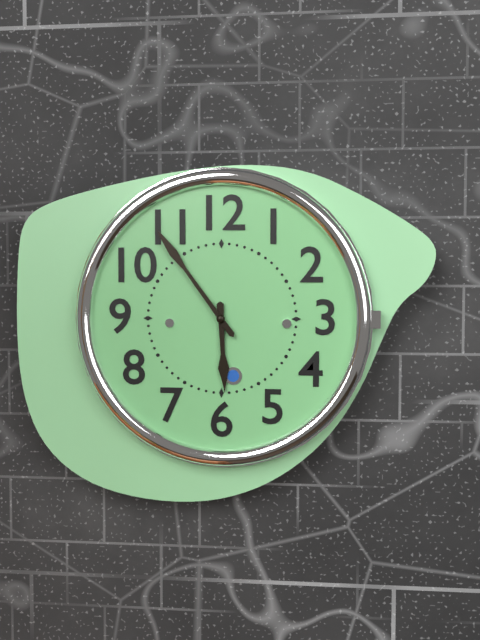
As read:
5.54
